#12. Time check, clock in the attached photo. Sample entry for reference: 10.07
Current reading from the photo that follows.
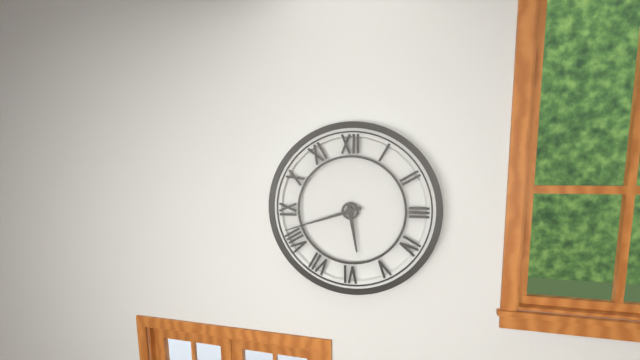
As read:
5.42
